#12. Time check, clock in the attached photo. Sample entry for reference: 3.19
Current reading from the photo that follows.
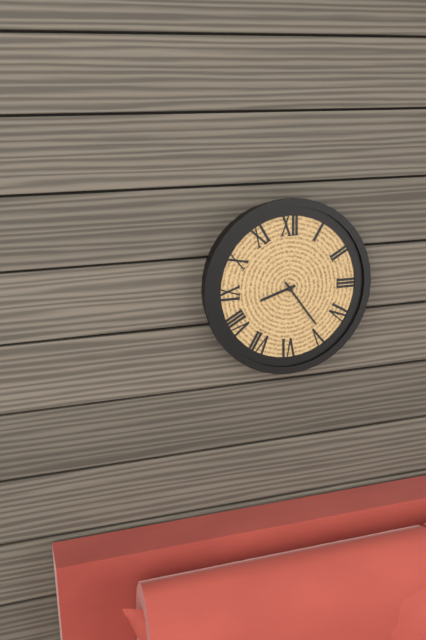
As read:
8.24
